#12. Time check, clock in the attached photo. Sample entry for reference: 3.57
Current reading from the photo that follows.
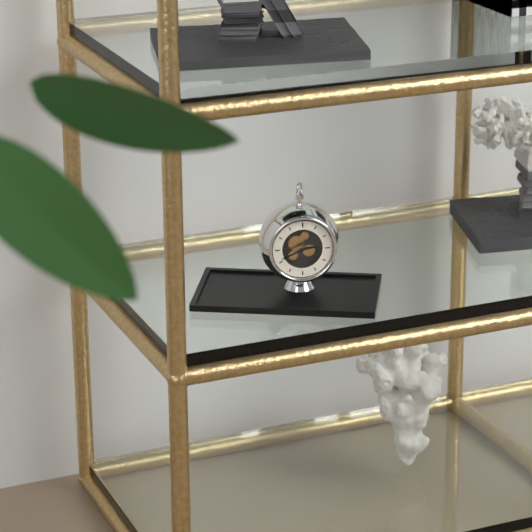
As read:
2.41
